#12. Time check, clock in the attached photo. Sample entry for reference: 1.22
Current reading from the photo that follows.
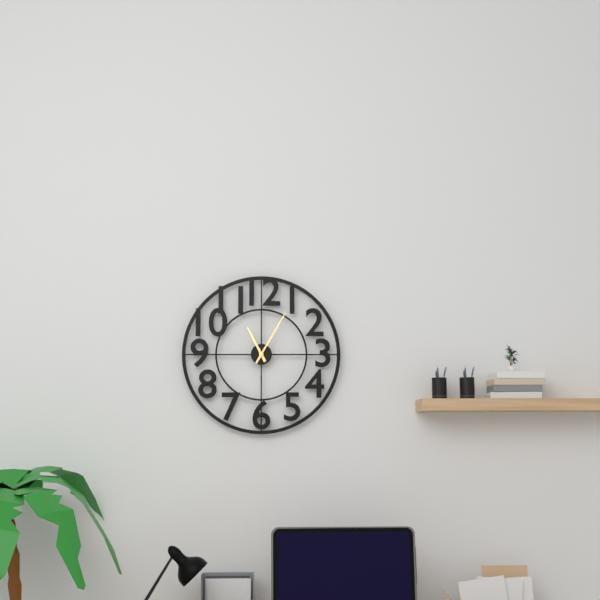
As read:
11.05
